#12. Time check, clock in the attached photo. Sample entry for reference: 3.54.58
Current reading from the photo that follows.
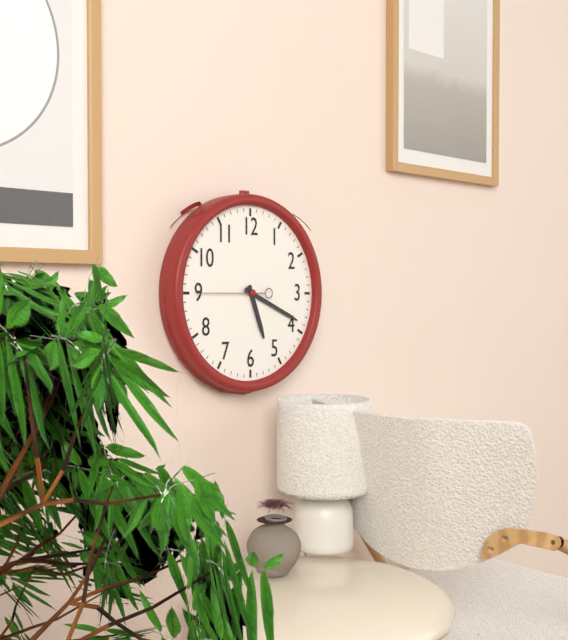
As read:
5.19.45
